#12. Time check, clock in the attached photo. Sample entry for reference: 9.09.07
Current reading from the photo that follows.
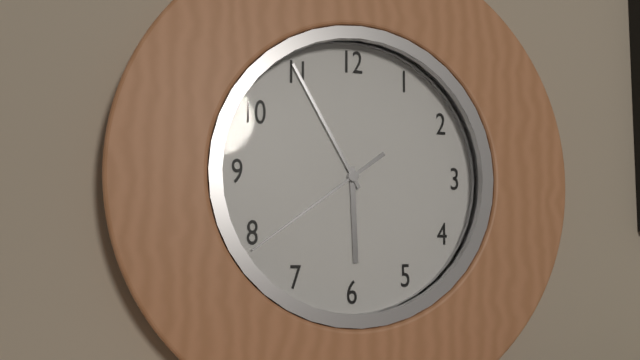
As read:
5.55.39
